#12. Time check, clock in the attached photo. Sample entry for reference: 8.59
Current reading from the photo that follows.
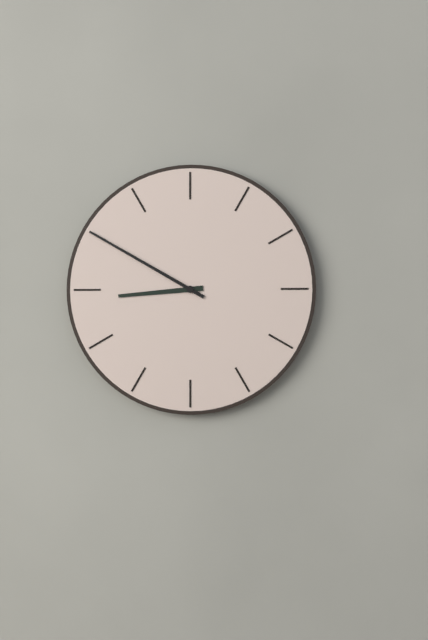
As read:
8.50
